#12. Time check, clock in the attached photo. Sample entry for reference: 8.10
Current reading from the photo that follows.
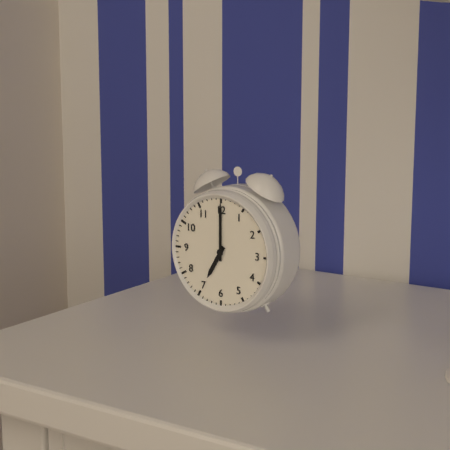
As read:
7.00
